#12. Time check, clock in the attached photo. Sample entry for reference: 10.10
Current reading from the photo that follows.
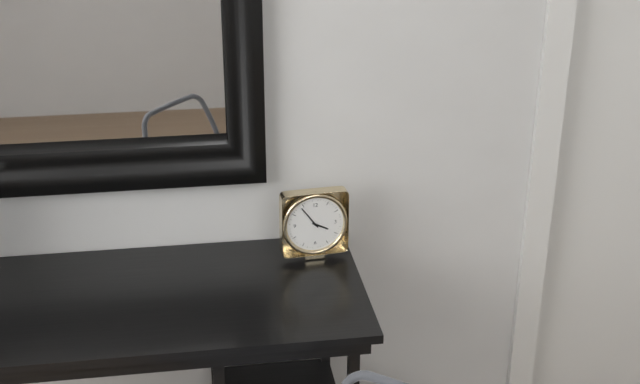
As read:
3.54
